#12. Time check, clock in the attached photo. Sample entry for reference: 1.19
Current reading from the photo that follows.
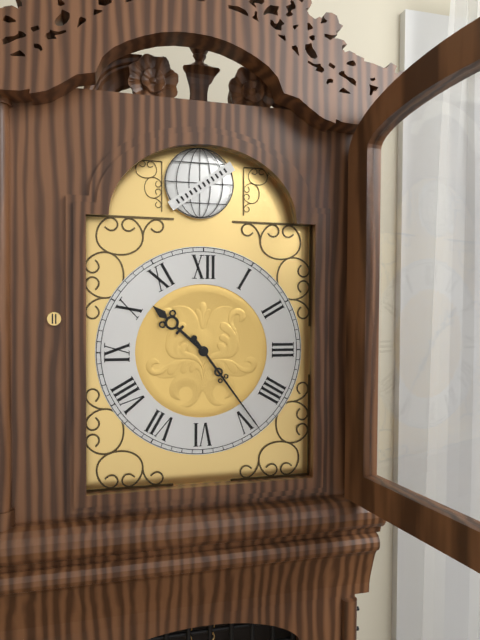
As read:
10.24
